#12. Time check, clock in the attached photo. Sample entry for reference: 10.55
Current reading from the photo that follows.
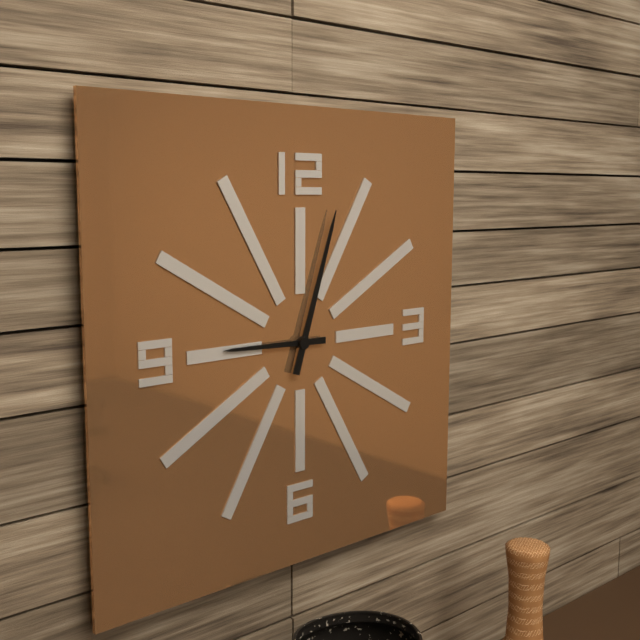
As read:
9.03
